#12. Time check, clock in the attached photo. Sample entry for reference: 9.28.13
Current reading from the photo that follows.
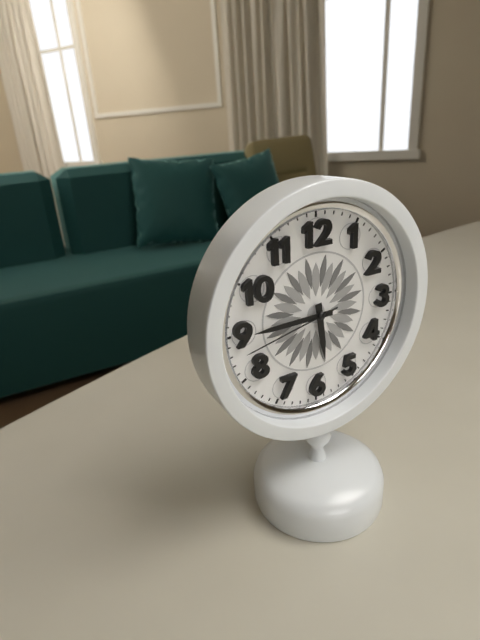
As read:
5.45.43
